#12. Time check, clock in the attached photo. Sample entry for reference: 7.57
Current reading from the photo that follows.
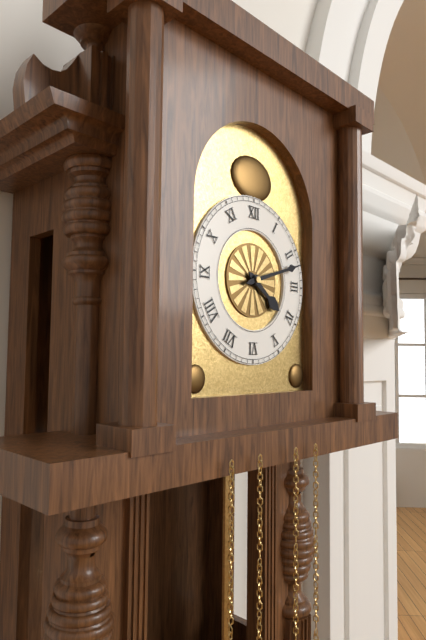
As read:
4.12
